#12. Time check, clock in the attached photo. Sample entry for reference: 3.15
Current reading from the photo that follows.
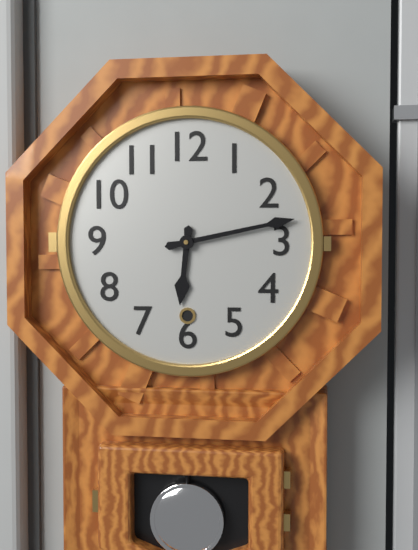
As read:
6.13
